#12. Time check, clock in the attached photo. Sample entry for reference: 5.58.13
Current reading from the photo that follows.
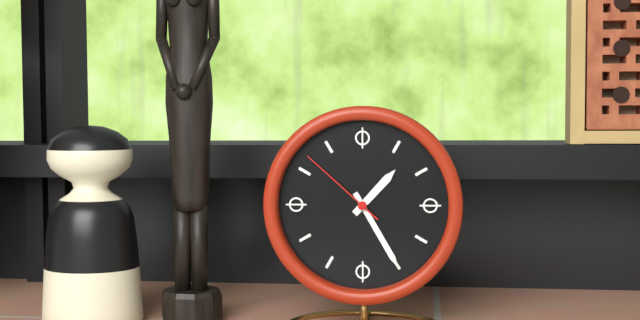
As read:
1.25.52
